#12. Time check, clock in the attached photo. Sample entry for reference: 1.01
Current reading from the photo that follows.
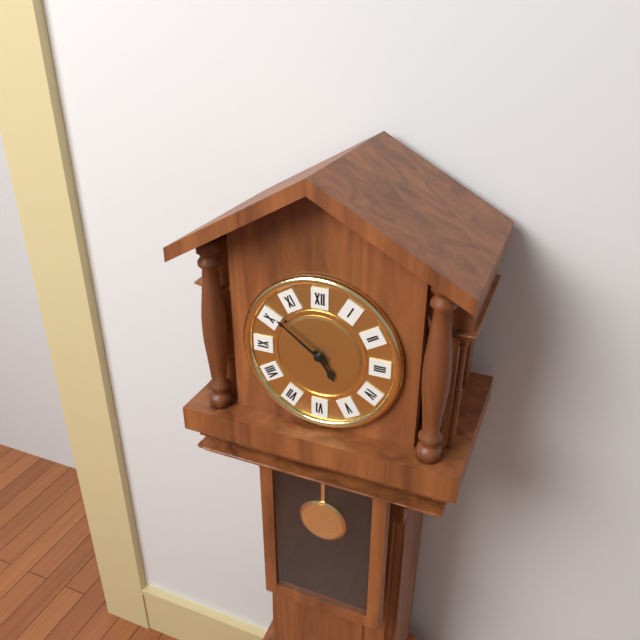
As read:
4.51
